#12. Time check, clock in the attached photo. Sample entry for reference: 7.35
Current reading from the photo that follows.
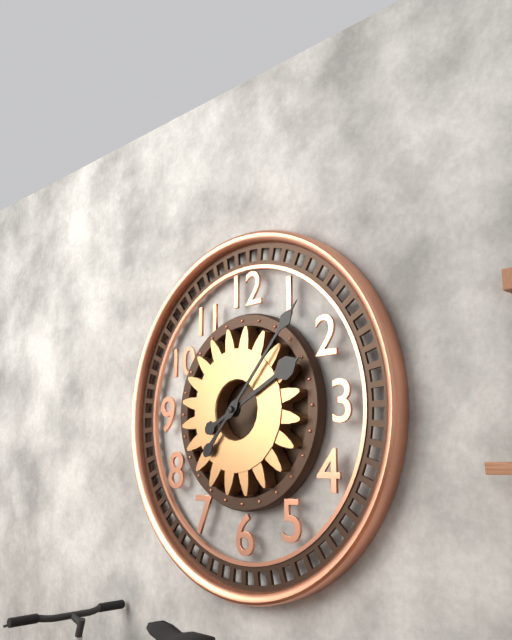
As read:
2.07
